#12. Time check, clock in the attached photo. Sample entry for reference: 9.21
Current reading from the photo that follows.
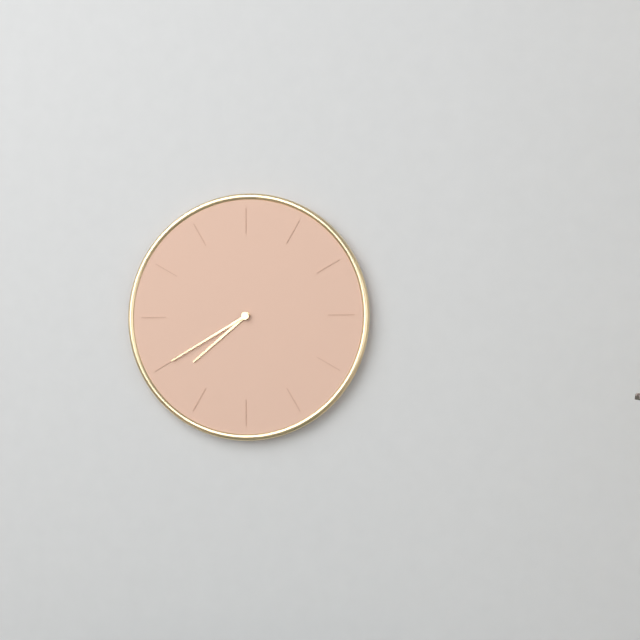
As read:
7.40
